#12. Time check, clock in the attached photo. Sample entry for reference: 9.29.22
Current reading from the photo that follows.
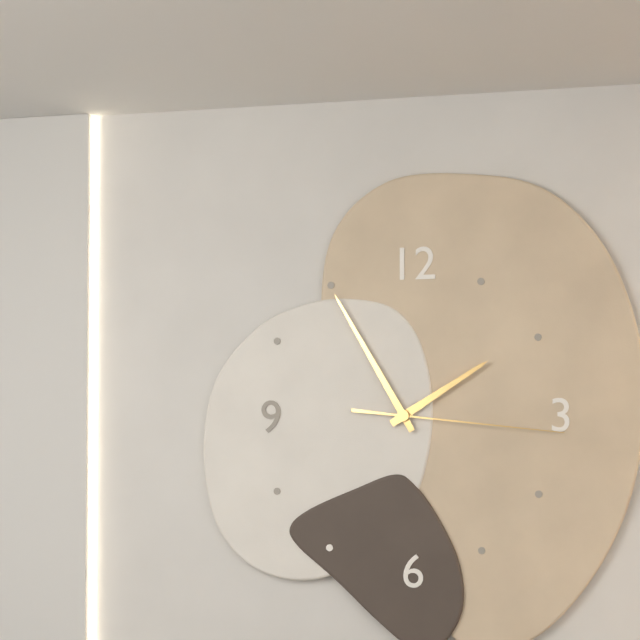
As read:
1.55.16
